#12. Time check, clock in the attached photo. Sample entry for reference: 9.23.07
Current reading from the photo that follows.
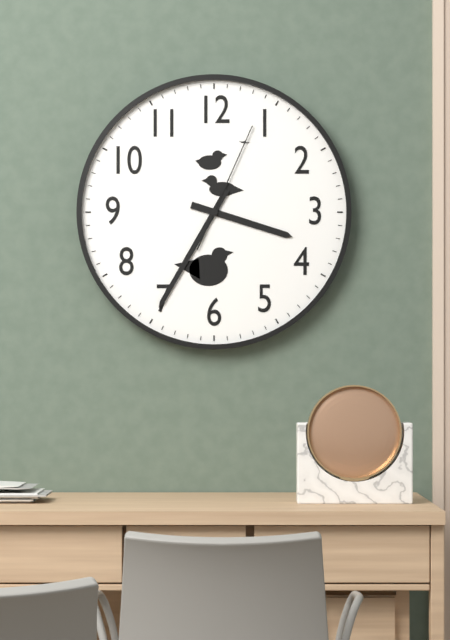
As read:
3.35.04
